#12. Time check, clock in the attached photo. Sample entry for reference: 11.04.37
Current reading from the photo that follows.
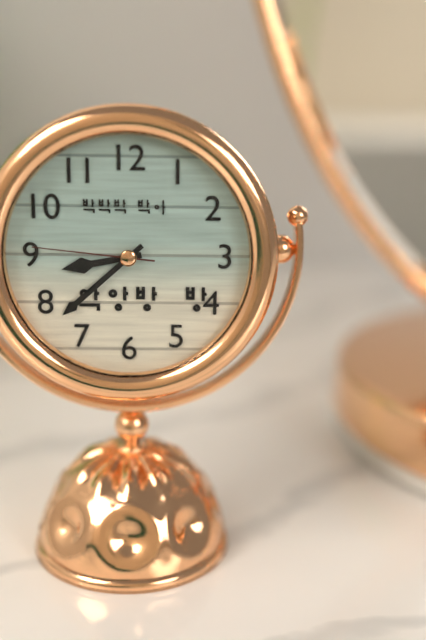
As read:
8.38.46
